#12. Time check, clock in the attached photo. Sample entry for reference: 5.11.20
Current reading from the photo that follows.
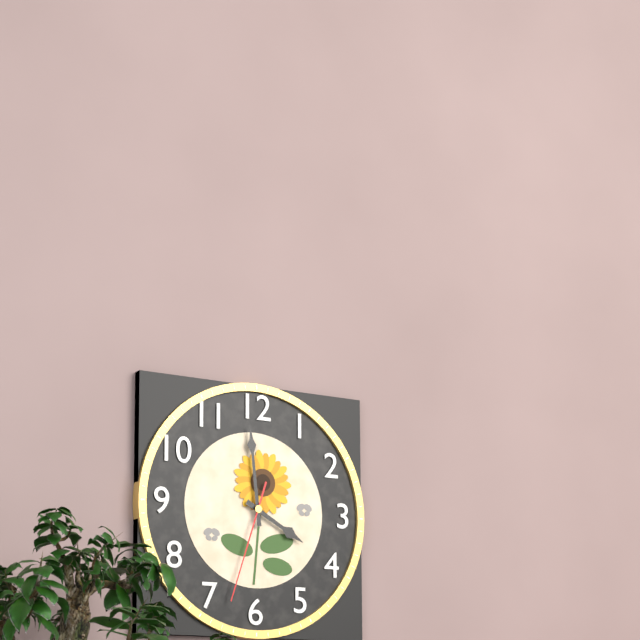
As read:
3.59.33
